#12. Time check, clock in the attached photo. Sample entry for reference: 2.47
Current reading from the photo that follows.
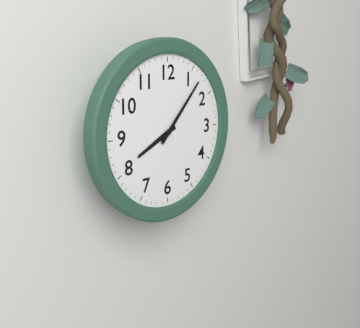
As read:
8.07
